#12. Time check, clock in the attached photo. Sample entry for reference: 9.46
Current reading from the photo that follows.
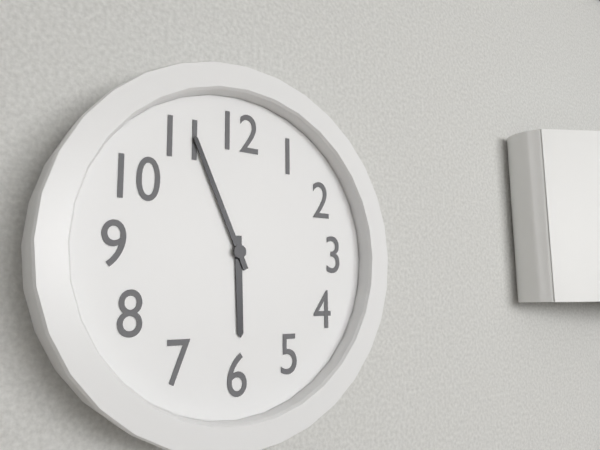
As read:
5.56
